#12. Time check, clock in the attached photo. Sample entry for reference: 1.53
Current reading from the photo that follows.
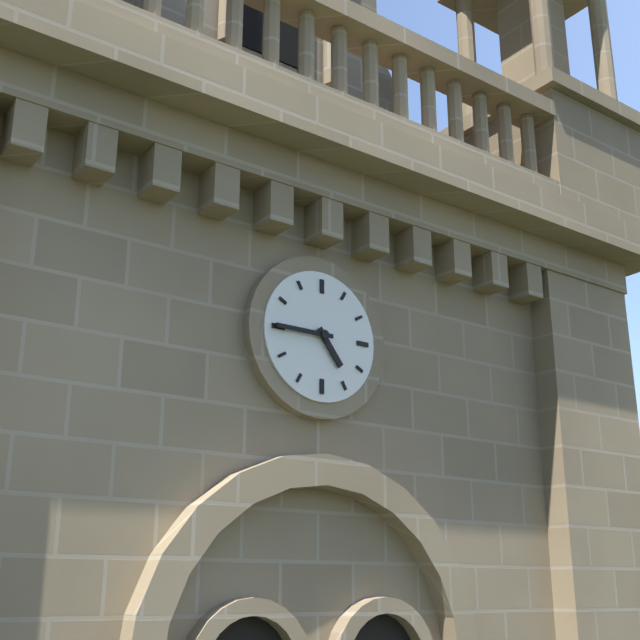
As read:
4.45
